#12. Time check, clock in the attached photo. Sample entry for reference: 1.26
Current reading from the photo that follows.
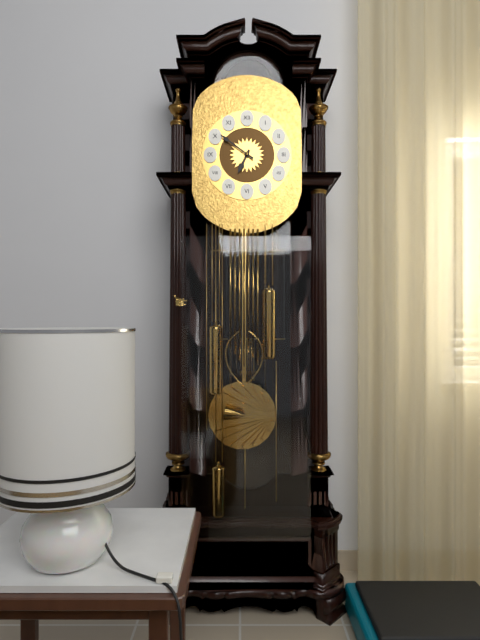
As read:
6.51
